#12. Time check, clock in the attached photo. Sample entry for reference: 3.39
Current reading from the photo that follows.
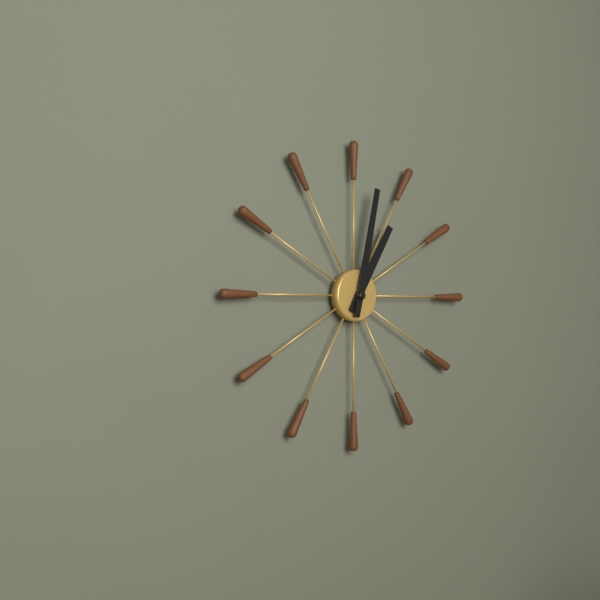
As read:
1.02
